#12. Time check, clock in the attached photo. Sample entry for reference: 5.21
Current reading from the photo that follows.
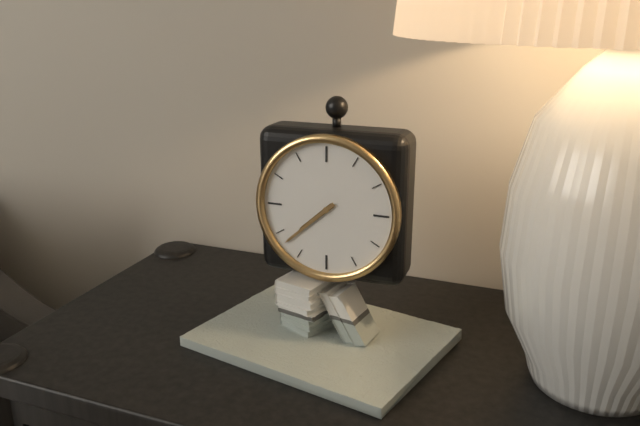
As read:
7.38
